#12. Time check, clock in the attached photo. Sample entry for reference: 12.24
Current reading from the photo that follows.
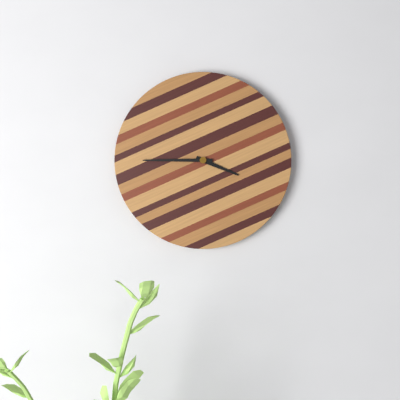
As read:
3.45
